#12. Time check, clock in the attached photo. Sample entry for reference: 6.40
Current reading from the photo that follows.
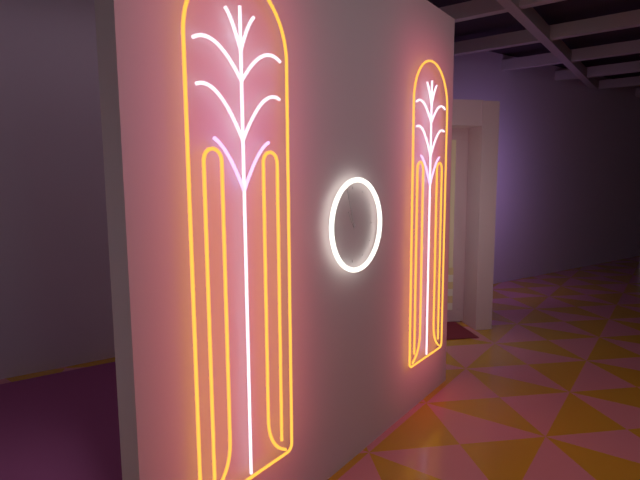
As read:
10.57
